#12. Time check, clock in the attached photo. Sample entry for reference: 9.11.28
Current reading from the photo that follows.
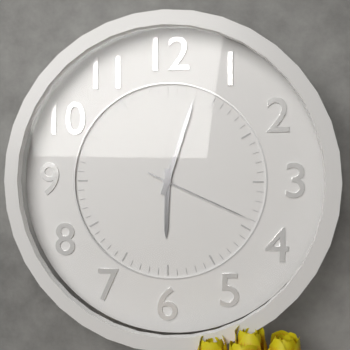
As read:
6.03.19
